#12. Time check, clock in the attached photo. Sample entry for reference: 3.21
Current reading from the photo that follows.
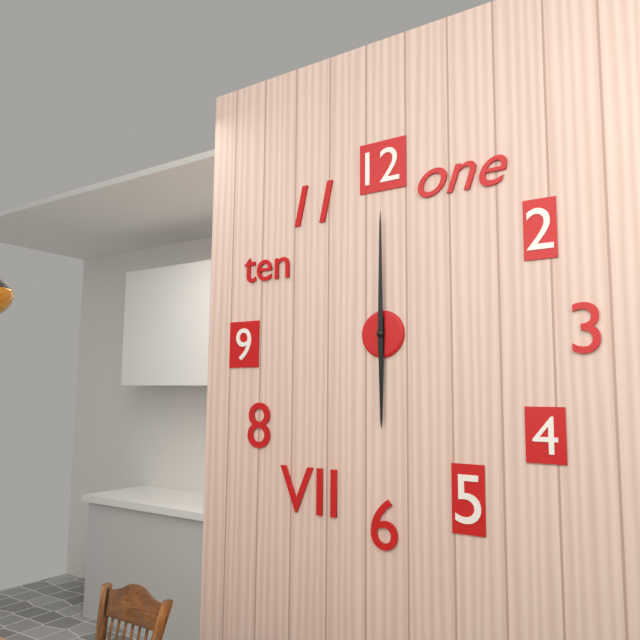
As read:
6.00
